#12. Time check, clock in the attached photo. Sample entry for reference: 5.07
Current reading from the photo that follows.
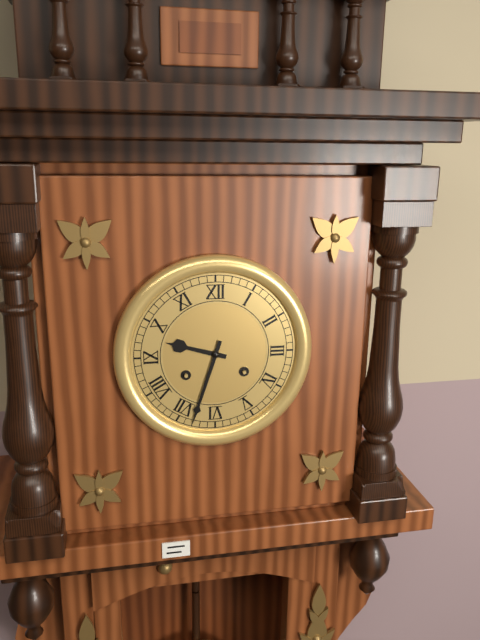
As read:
9.33
